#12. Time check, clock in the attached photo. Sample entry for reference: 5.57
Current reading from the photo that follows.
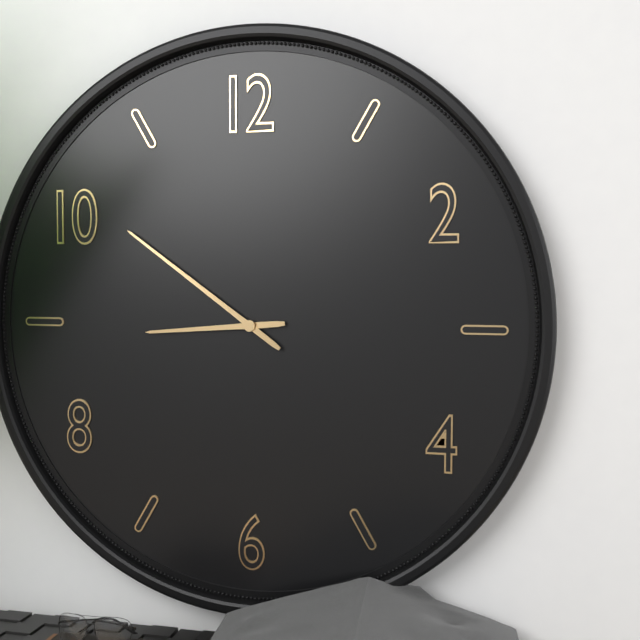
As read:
8.51
